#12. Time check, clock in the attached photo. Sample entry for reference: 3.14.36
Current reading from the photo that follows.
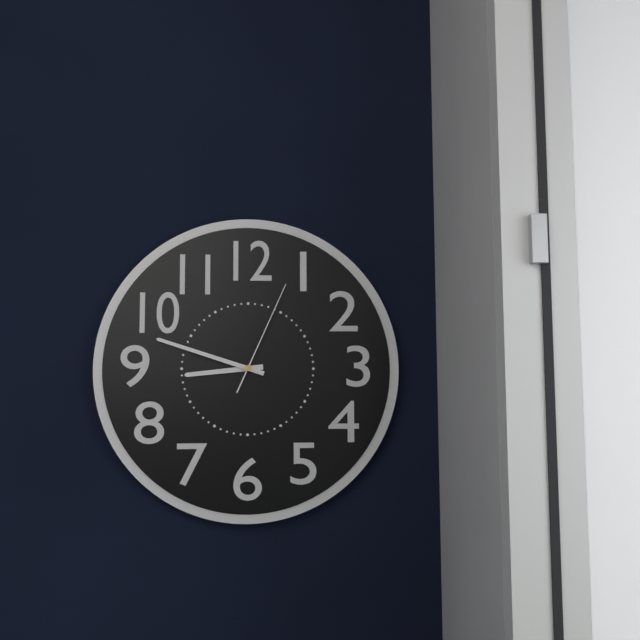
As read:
8.48.04
